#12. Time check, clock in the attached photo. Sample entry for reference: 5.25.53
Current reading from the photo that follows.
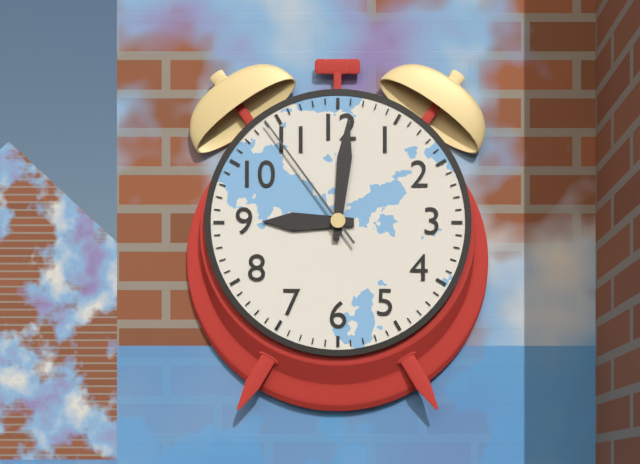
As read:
9.01.54
